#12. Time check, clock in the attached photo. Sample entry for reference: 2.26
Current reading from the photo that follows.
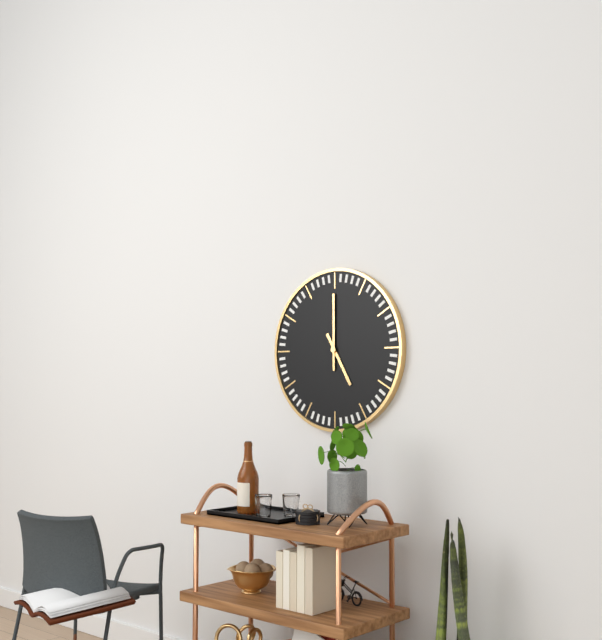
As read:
5.00
